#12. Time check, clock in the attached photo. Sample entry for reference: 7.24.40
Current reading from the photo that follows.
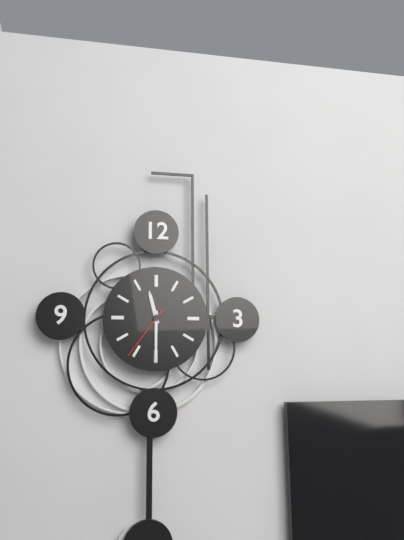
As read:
11.30.36
